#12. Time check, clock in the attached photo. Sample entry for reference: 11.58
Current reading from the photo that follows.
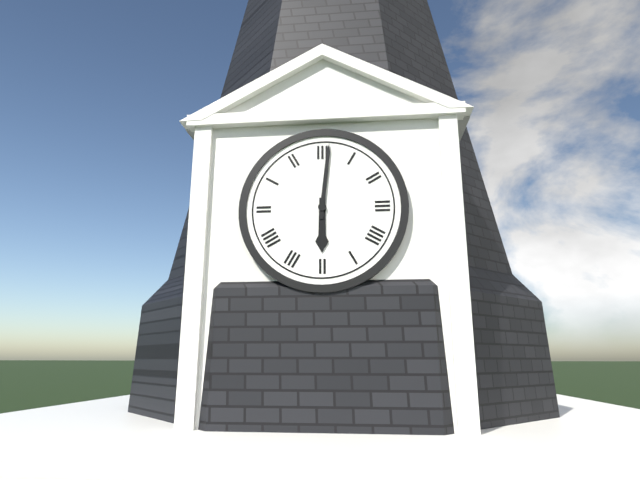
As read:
6.01
